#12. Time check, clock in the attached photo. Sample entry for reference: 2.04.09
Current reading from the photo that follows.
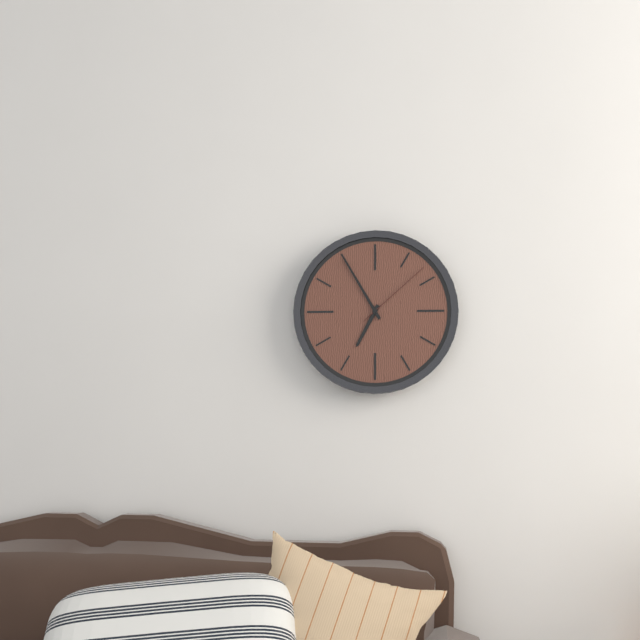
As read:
6.55.08
